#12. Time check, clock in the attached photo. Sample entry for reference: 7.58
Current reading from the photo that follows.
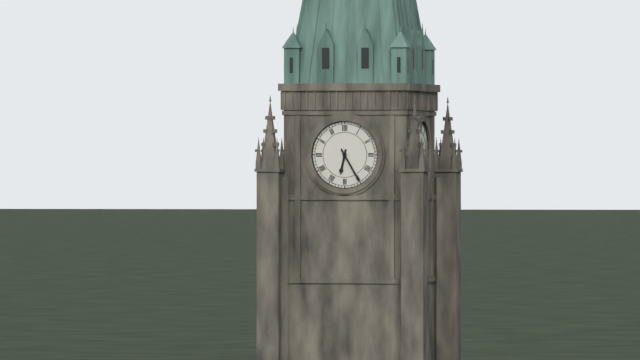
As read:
6.25
